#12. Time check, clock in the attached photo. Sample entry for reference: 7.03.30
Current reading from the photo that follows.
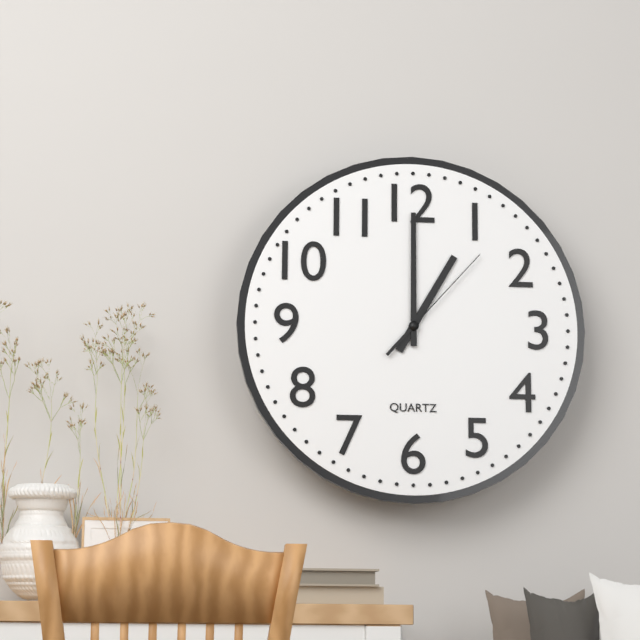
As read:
1.00.07
